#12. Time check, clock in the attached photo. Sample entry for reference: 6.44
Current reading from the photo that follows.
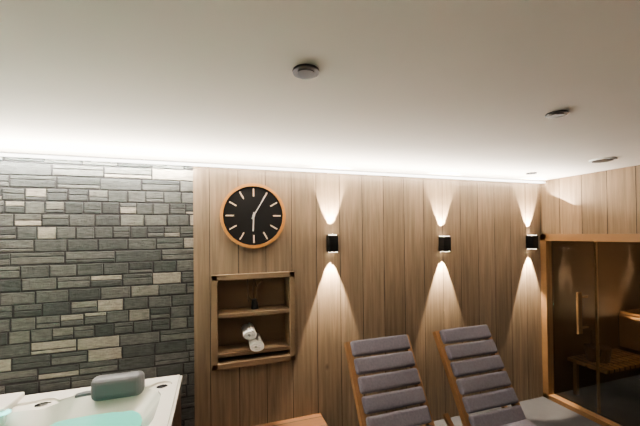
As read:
6.05
